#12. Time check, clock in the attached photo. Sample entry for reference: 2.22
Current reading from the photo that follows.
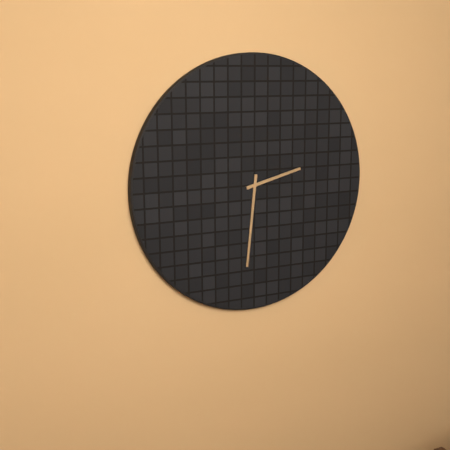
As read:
2.31
